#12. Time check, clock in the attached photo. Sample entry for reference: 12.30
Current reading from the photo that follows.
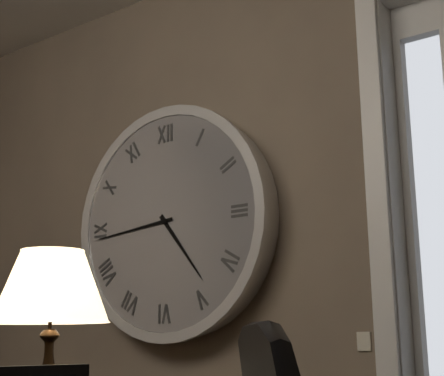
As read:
4.44
